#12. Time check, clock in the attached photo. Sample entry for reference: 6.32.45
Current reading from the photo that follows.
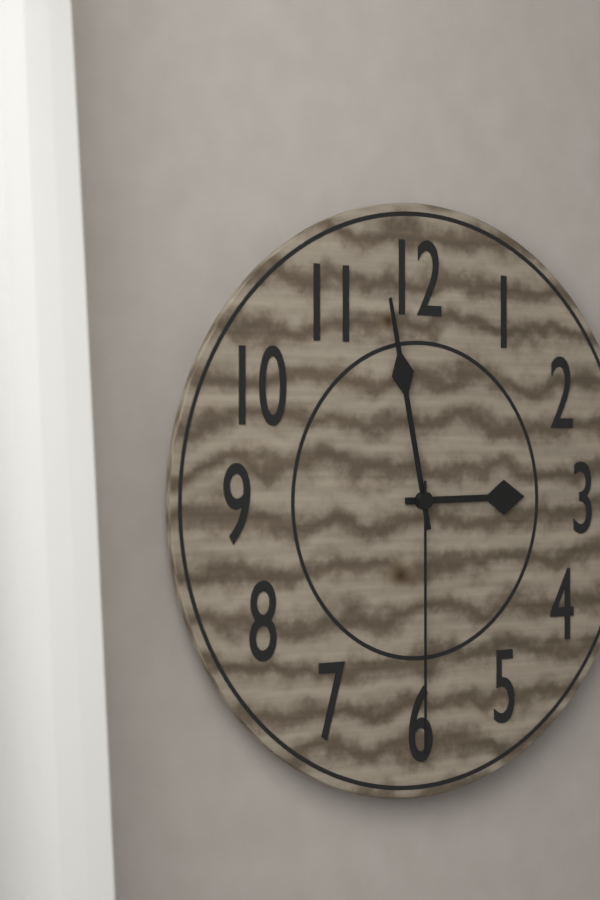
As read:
2.58.30
